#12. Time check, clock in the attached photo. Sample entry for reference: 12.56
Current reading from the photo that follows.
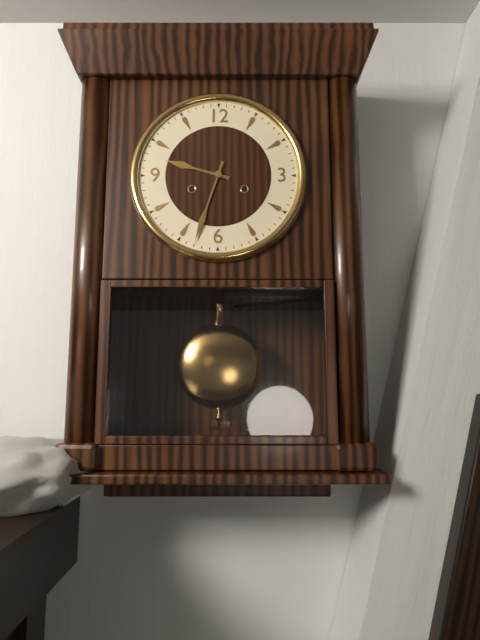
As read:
9.33
